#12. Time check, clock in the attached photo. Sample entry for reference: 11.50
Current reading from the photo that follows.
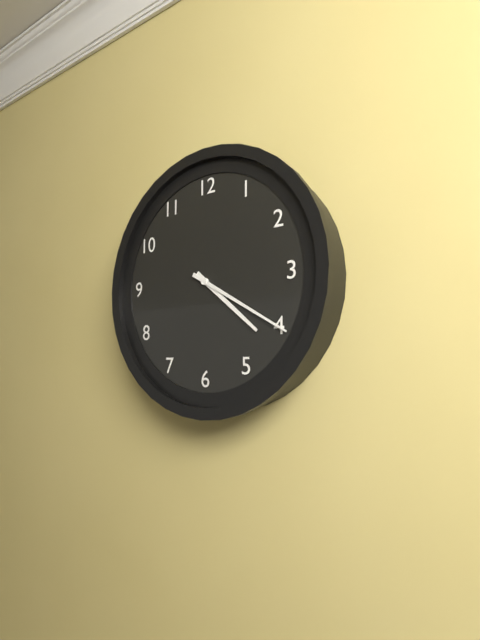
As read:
4.20
